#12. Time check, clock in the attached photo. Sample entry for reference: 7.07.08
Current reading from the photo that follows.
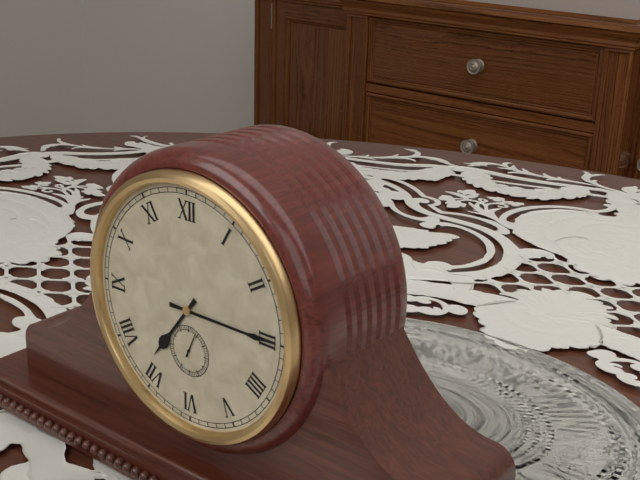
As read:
7.15.04
